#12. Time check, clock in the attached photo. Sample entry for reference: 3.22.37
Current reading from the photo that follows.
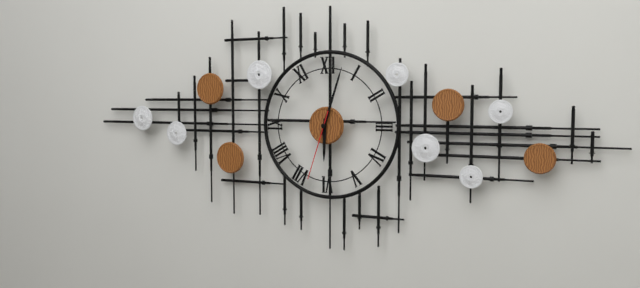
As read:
6.03.33
